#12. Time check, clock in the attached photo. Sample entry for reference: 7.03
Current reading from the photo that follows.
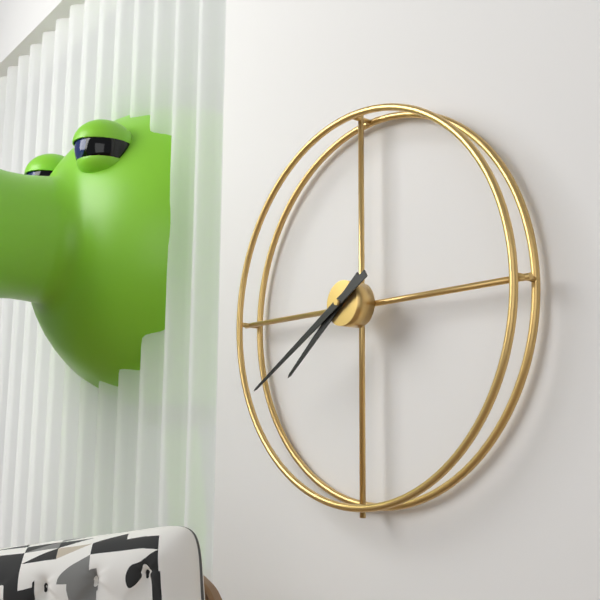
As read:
7.40
